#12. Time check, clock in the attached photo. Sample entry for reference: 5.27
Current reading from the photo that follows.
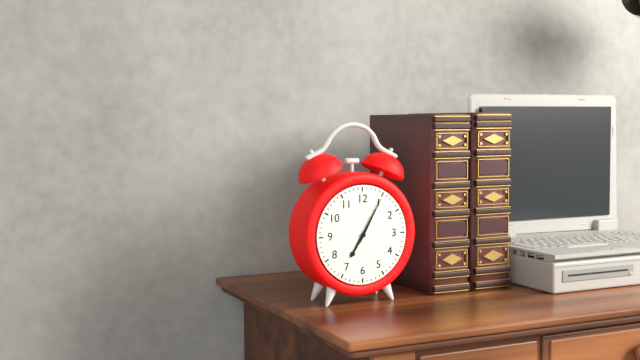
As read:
7.05
